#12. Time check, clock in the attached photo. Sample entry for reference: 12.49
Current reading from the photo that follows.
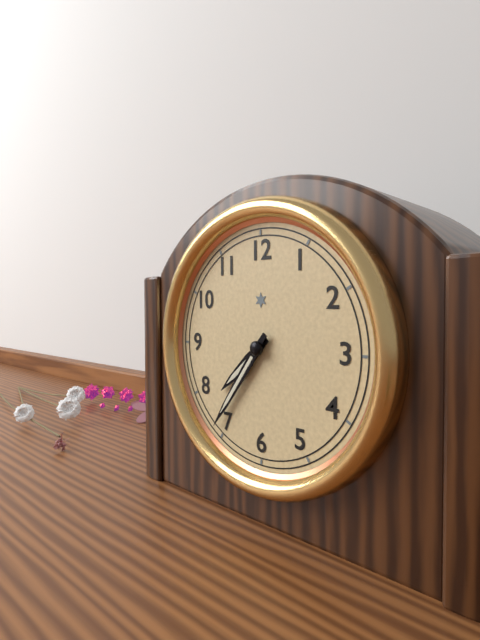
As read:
7.36
